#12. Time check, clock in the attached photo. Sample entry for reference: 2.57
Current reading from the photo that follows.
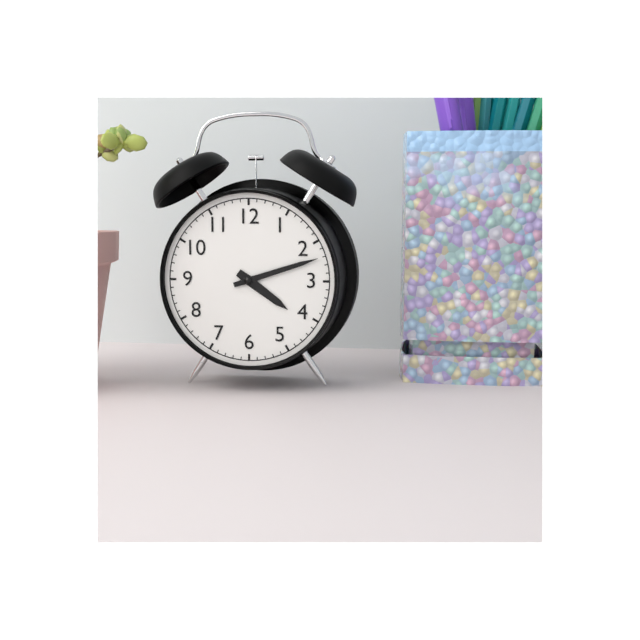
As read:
4.12
